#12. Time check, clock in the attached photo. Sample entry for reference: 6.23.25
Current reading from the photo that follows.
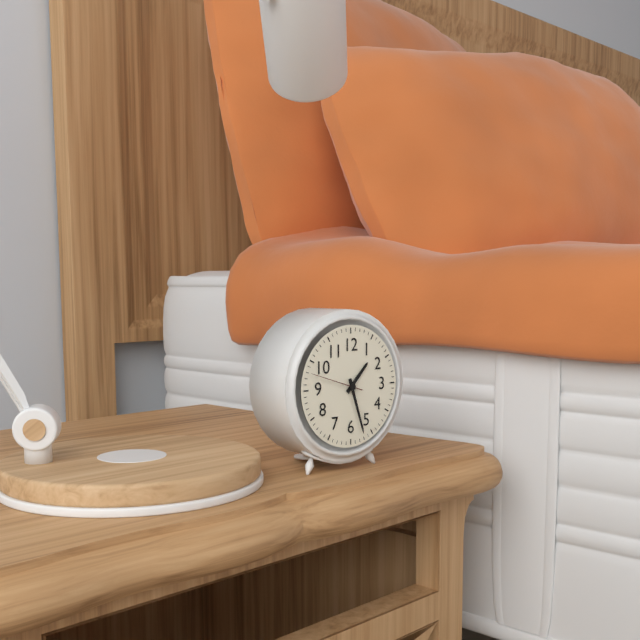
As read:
1.27.48
